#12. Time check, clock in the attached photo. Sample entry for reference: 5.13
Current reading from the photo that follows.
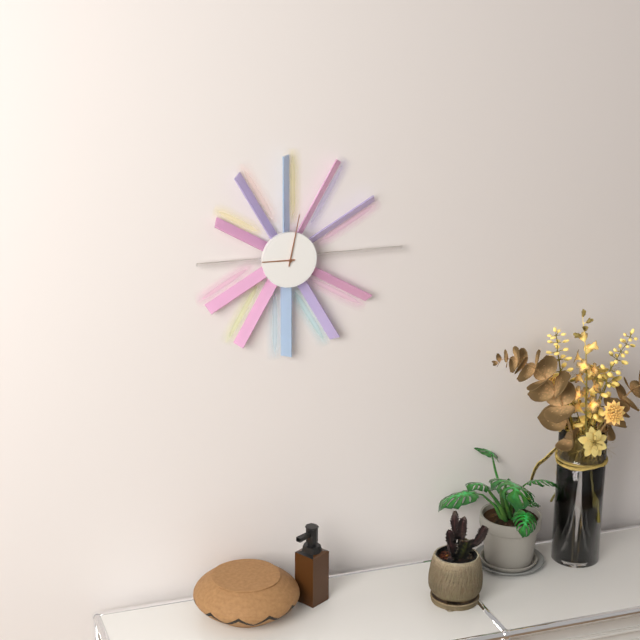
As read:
9.02
